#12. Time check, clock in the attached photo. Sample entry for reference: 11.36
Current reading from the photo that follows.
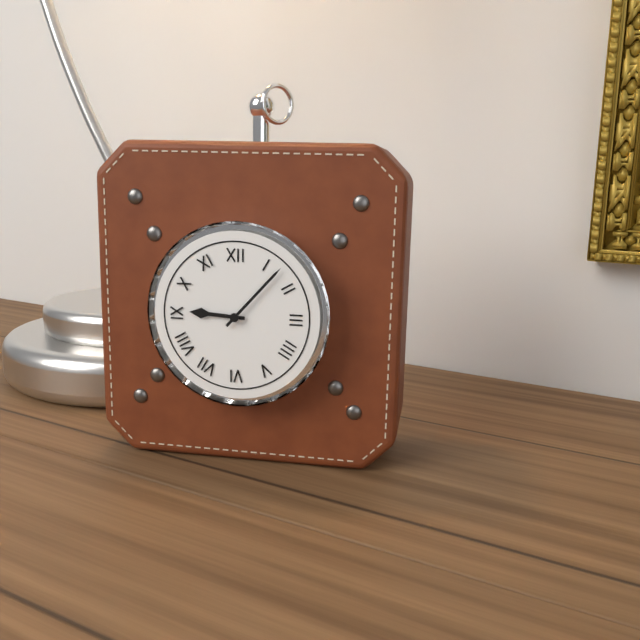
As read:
9.07
